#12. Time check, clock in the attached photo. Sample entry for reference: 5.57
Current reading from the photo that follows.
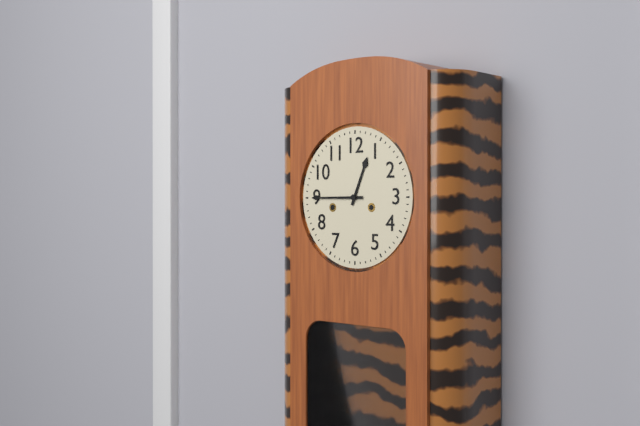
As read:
12.45
